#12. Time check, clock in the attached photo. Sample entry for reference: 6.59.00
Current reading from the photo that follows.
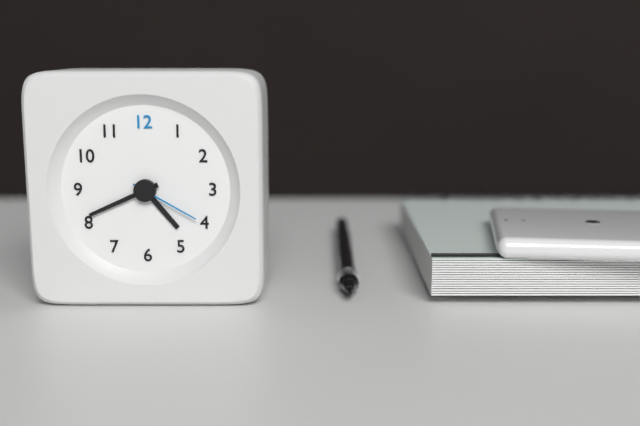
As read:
4.41.20
